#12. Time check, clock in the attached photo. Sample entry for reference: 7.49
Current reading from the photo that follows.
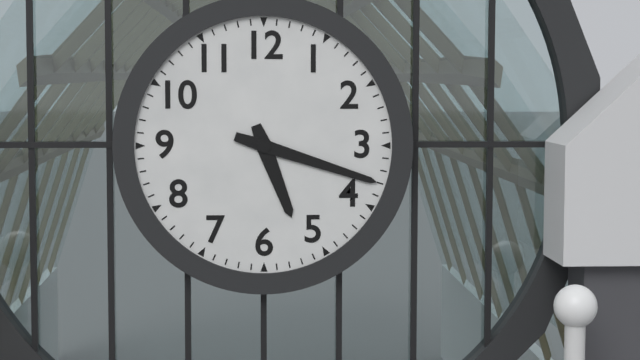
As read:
5.18
